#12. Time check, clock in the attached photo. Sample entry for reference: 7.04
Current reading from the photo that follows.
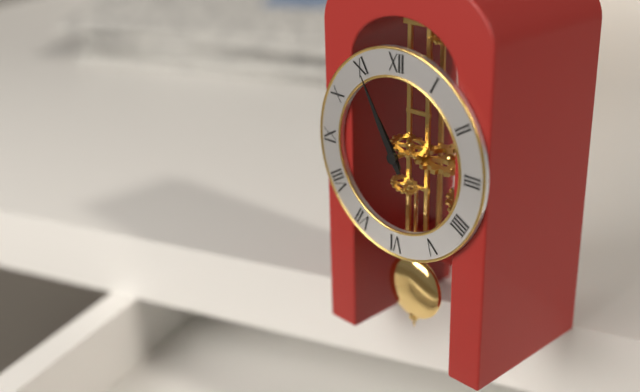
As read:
10.55
